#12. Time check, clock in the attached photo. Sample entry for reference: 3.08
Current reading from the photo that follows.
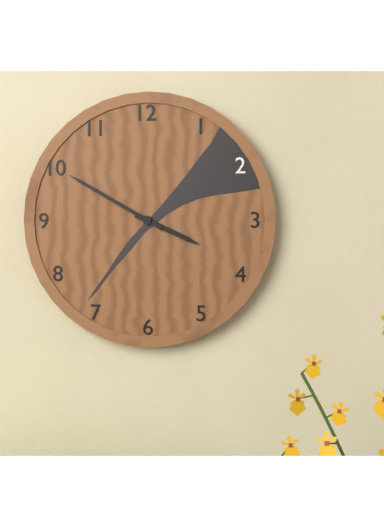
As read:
3.50
